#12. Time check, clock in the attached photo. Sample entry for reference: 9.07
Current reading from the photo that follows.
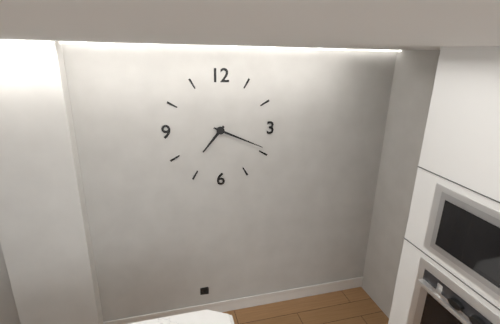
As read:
7.19
